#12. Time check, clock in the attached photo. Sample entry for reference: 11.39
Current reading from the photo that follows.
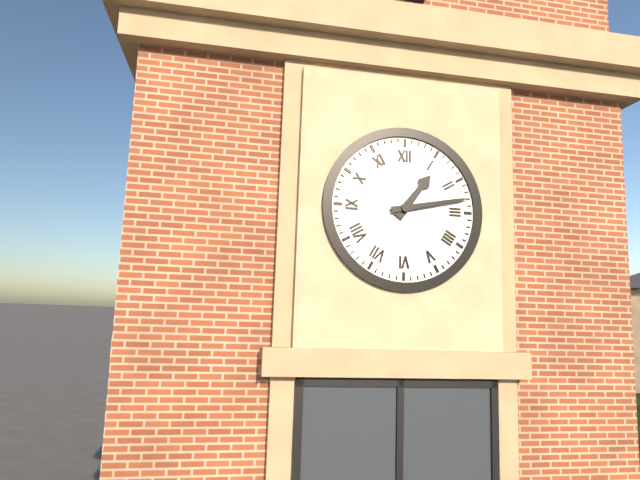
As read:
1.13
